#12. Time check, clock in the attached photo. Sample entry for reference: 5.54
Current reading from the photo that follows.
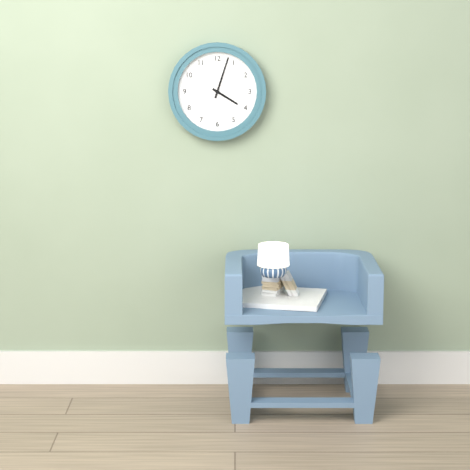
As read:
4.03
